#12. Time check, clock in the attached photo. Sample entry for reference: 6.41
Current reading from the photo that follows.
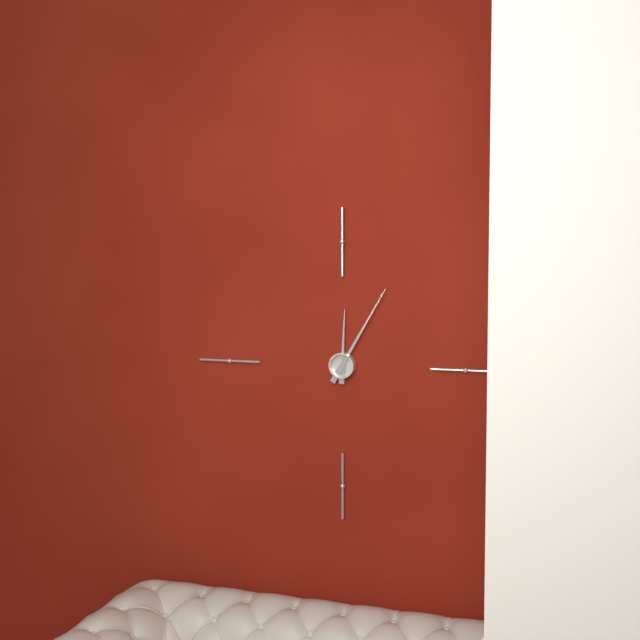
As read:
12.05
